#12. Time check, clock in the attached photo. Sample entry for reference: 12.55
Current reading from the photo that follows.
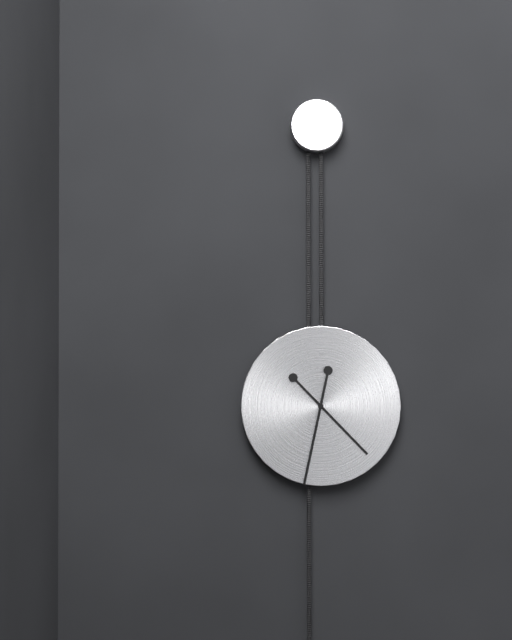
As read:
4.32
